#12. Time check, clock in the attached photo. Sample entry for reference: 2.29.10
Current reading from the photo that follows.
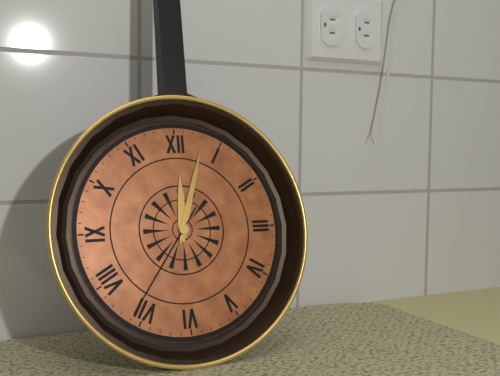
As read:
12.03.36
